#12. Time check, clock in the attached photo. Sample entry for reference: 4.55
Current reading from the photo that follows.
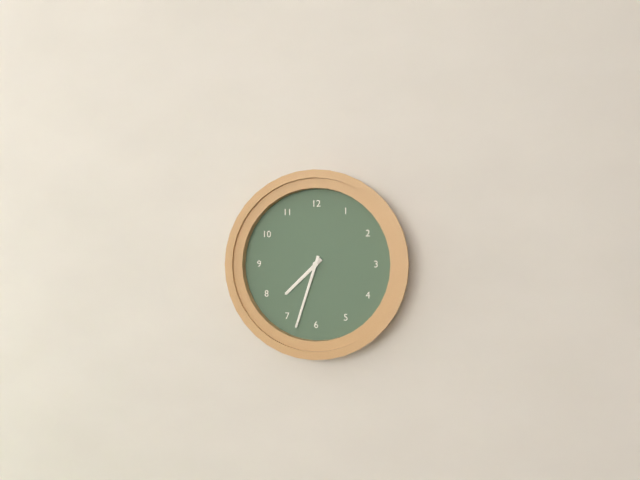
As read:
7.33
